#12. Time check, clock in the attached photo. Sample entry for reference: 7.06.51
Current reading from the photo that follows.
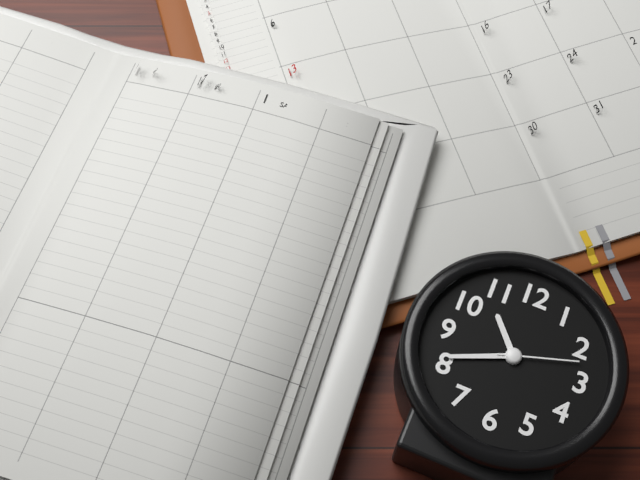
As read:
10.41.12
